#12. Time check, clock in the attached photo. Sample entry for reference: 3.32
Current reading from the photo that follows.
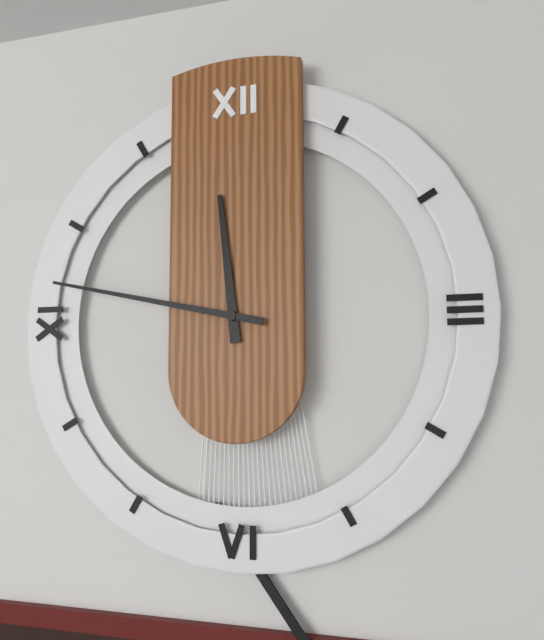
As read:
11.47
